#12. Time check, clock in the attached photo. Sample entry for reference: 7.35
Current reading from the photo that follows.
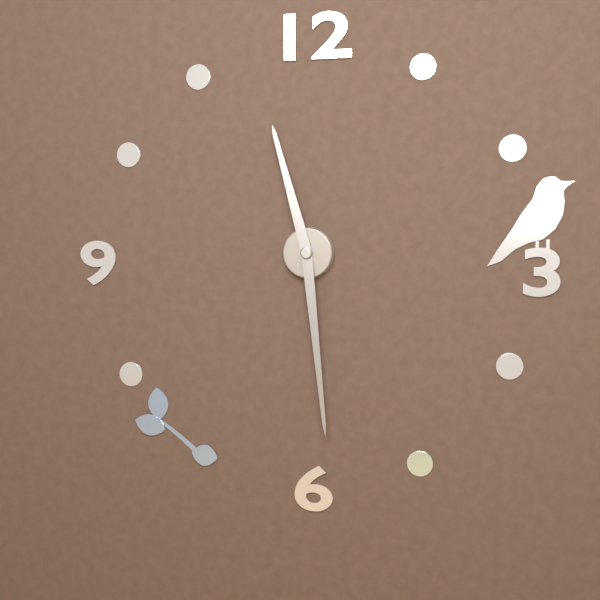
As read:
11.29
